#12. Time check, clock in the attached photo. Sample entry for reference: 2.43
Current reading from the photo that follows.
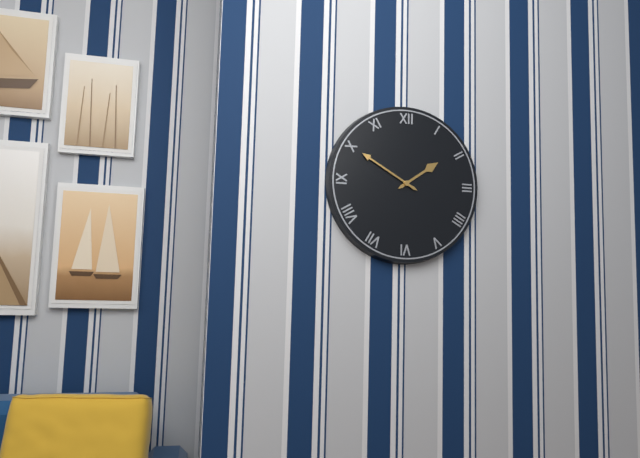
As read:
1.50
